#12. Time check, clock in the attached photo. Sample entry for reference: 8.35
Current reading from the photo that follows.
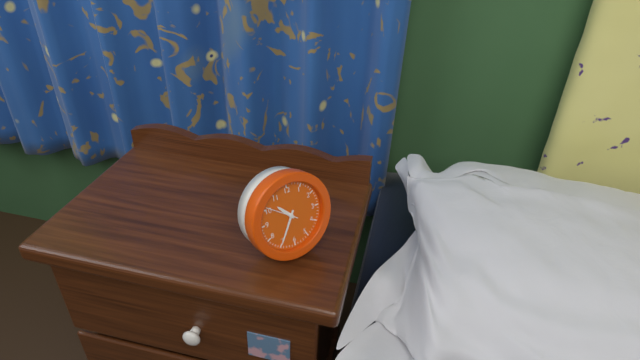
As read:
10.35
